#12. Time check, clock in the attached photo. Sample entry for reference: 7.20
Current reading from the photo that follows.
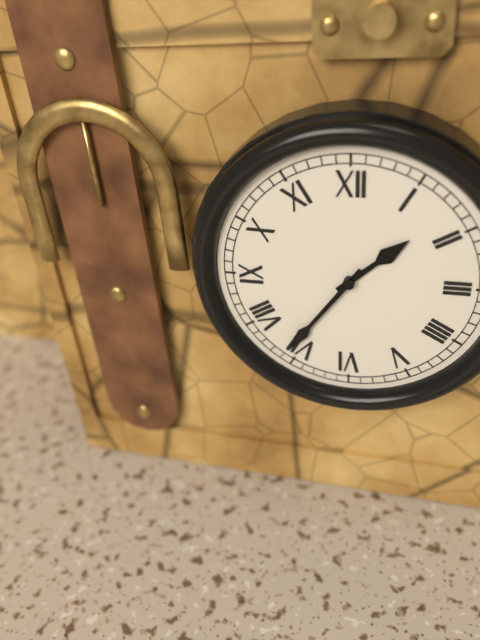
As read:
1.36
